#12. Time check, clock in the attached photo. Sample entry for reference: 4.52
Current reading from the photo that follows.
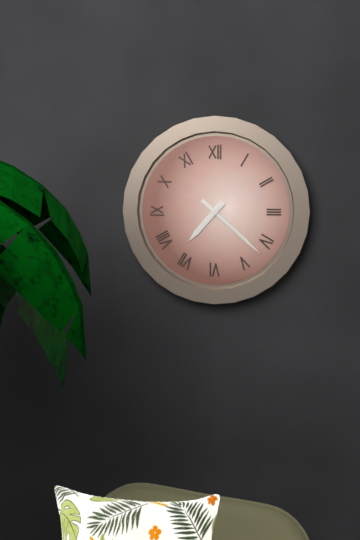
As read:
7.22
